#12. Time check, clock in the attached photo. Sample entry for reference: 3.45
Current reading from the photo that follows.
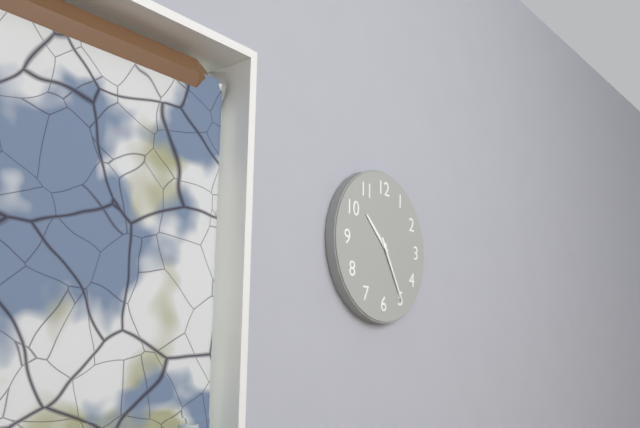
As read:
10.25
